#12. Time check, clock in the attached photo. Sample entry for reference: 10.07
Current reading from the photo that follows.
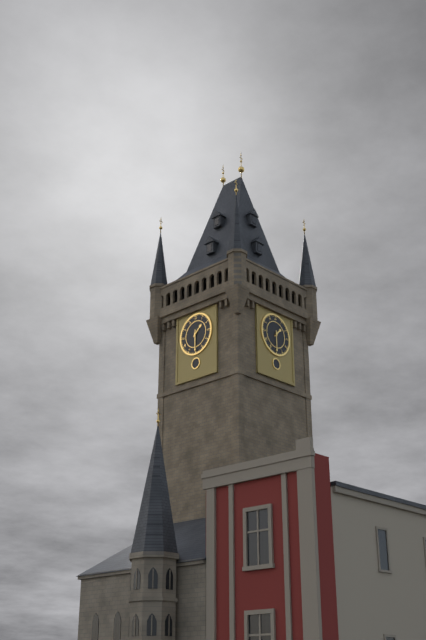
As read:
1.30
